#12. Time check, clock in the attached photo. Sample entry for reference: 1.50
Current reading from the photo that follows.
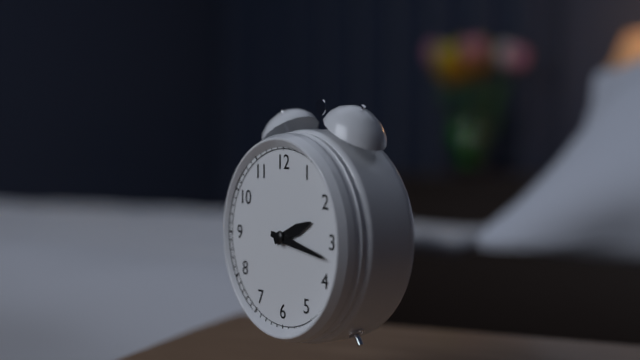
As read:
2.17
